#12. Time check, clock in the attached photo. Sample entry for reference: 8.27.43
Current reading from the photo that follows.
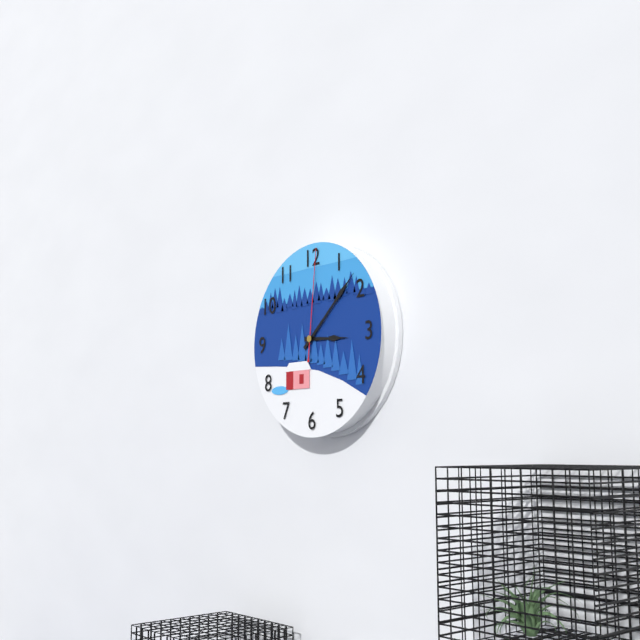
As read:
3.08.01
